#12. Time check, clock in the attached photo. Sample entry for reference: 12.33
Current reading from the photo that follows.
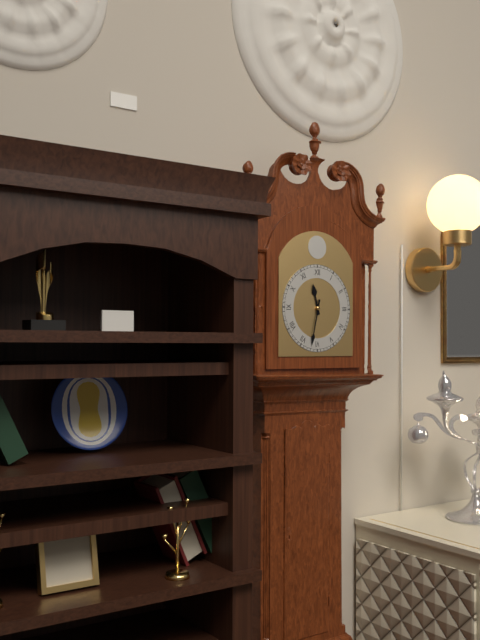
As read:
11.32
